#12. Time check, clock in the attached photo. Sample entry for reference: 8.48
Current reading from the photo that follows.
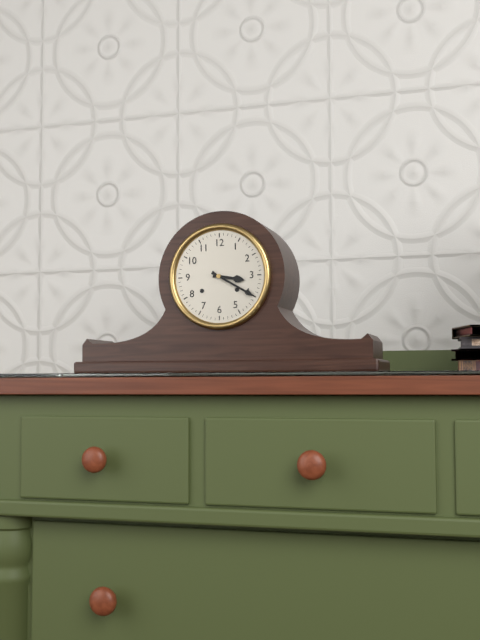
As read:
3.20
